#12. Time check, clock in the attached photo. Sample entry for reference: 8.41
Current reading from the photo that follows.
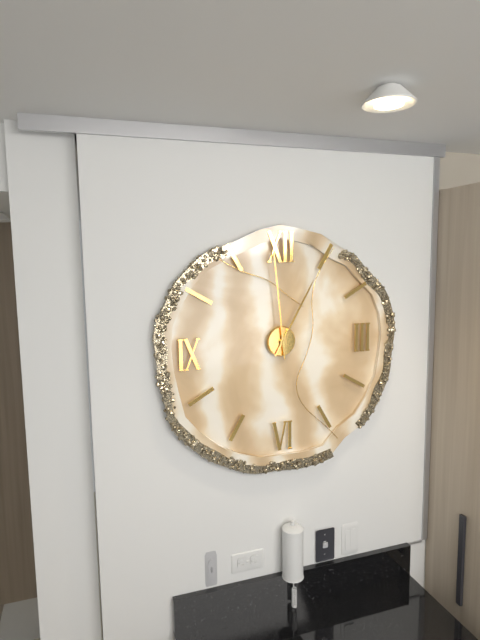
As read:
12.59
